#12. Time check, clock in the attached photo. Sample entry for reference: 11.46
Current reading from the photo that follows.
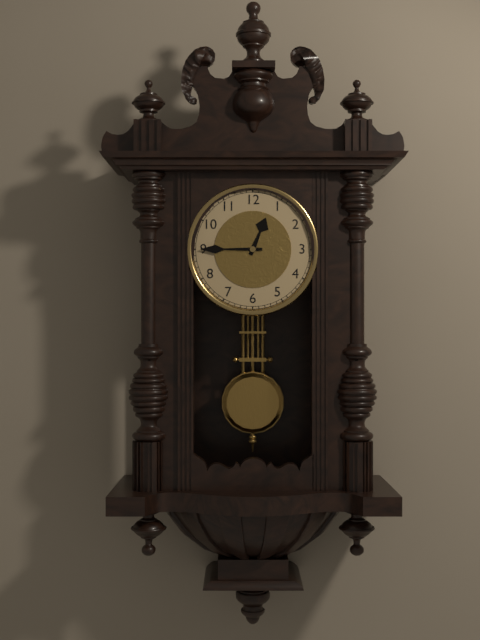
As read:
12.45
